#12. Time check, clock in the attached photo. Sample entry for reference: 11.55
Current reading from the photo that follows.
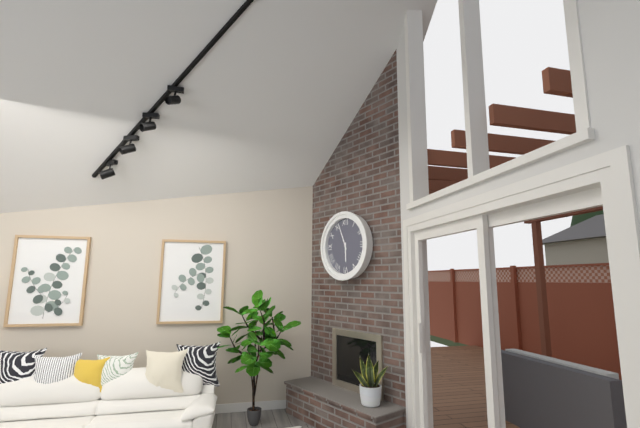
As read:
5.56
